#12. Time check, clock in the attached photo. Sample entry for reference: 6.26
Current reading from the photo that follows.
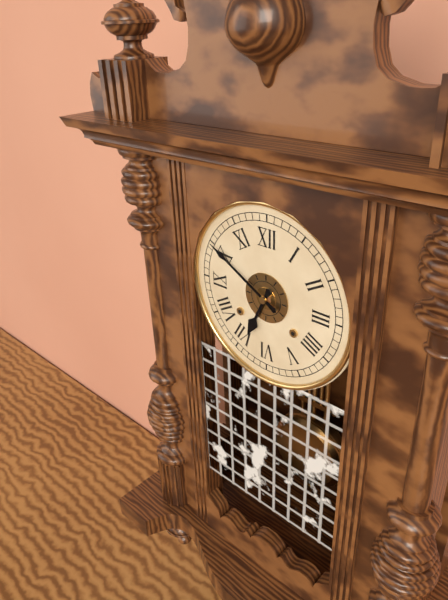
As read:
6.50
